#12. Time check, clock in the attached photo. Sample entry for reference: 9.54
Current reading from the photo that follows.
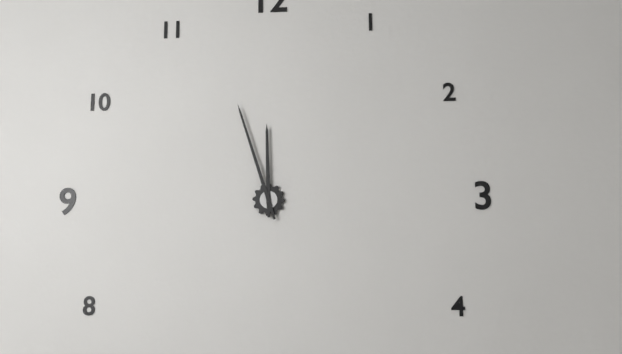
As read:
11.57
